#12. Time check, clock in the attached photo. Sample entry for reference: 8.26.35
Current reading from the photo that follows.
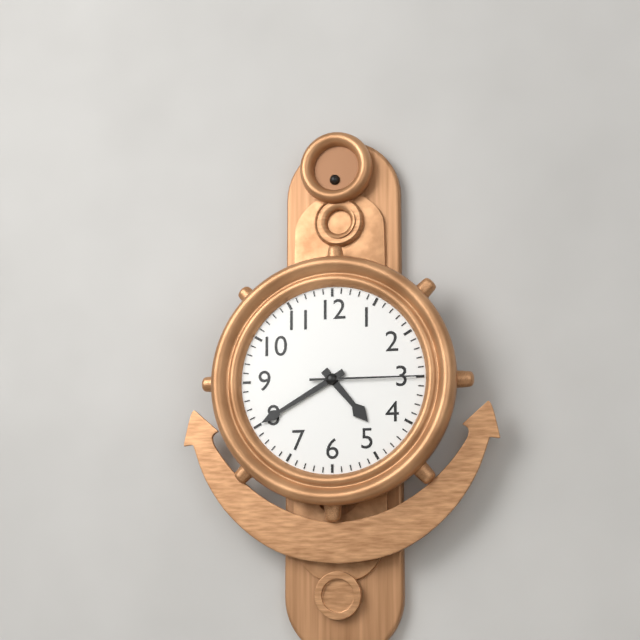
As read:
4.40.15
